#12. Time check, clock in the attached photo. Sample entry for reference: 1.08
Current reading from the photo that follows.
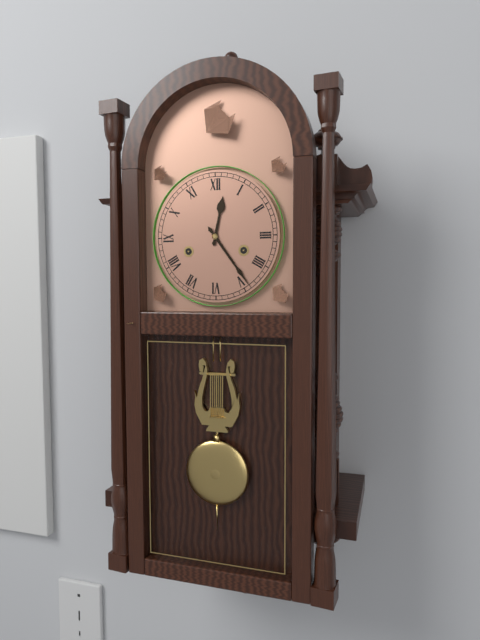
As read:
12.24
